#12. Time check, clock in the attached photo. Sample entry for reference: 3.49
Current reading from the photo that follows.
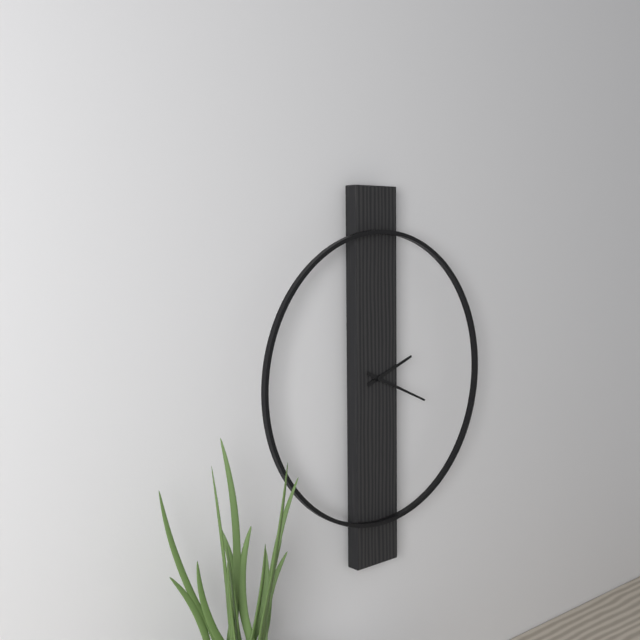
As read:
2.19
